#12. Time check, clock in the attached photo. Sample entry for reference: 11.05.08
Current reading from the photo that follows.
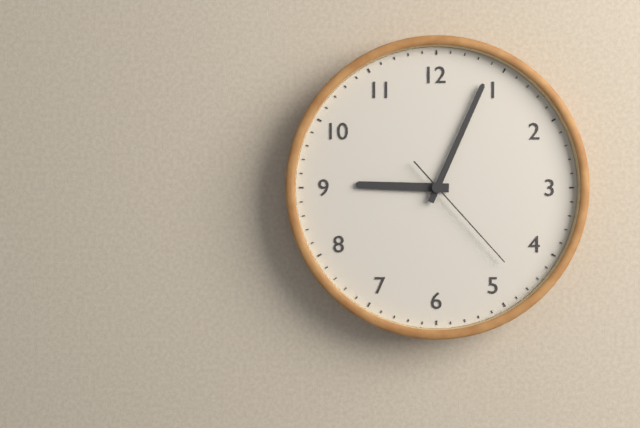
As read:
9.04.23
